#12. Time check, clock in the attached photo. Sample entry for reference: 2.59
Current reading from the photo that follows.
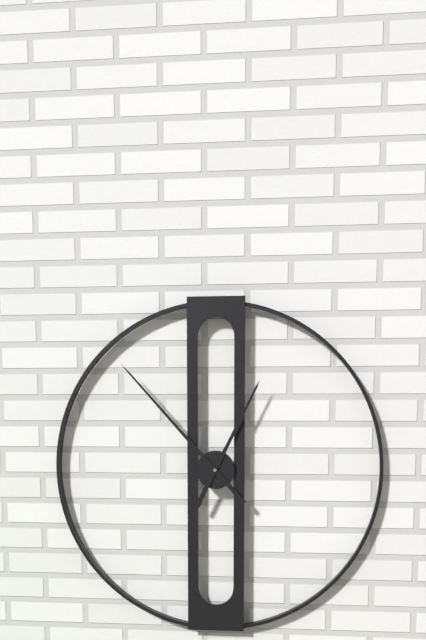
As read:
12.53
